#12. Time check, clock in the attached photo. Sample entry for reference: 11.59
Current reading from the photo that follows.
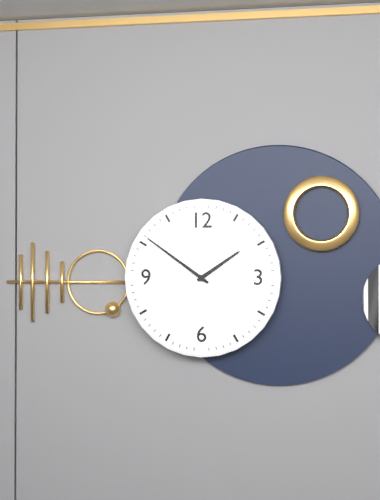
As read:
1.51
